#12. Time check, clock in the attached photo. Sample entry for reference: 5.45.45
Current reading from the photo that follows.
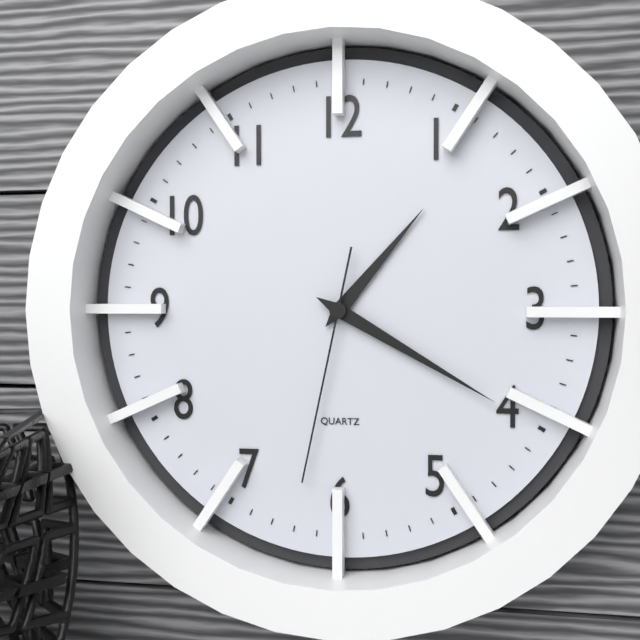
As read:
1.20.32
